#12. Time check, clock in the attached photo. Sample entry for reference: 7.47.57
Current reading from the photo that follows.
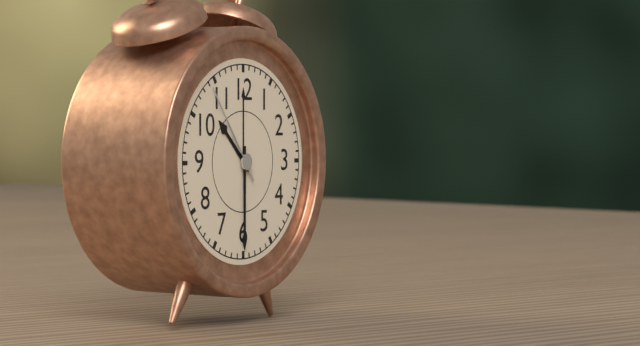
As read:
10.30.54
